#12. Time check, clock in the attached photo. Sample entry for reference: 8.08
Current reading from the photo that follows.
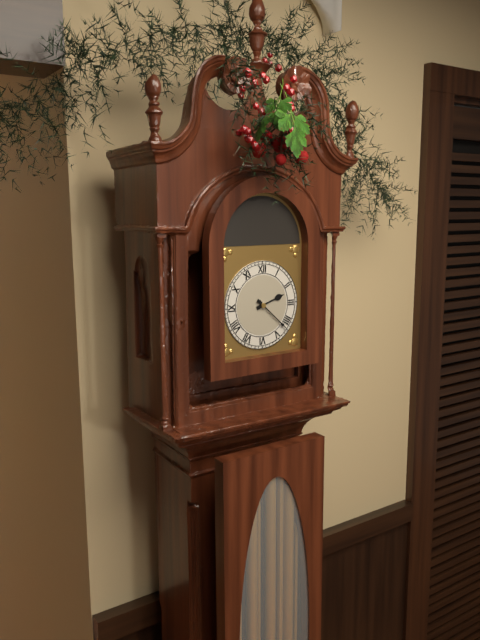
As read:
2.22
